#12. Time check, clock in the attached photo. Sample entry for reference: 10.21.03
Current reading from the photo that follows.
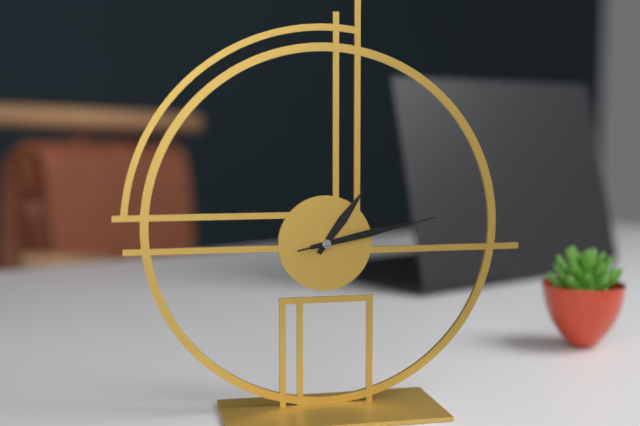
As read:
1.13.13
